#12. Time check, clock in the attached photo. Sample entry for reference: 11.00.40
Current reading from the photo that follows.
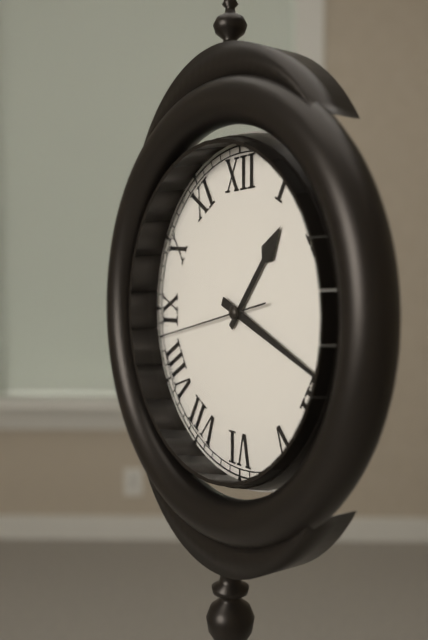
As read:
1.19.43
